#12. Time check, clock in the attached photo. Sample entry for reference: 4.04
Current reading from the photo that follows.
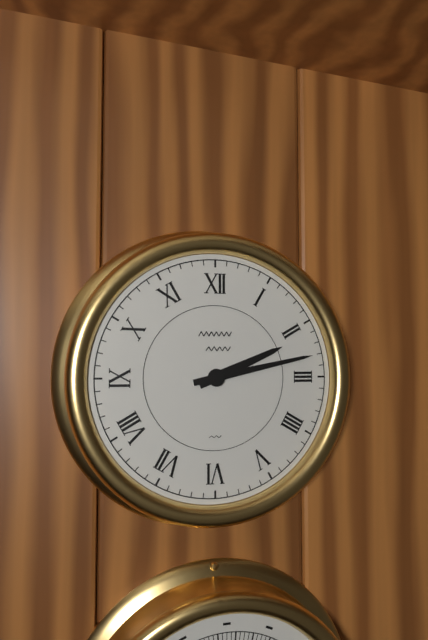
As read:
2.13
